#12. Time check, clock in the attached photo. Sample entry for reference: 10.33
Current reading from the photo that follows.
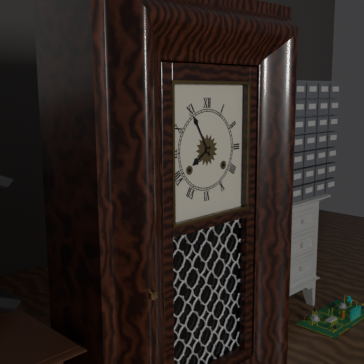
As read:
7.55
